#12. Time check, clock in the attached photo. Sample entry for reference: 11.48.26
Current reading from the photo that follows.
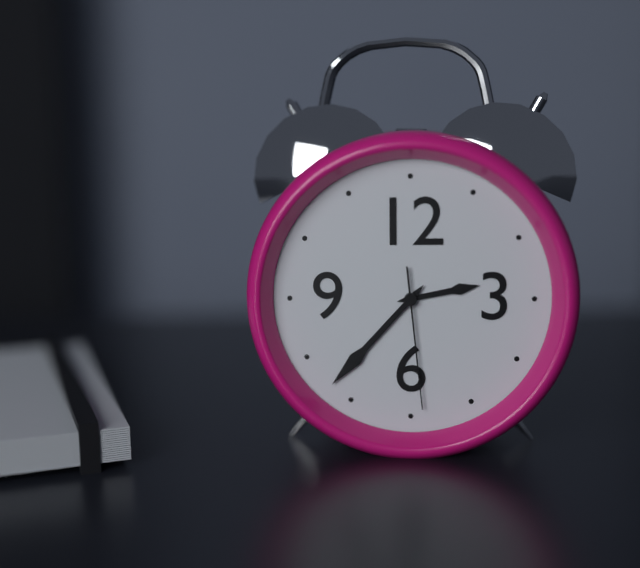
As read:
2.37.29
